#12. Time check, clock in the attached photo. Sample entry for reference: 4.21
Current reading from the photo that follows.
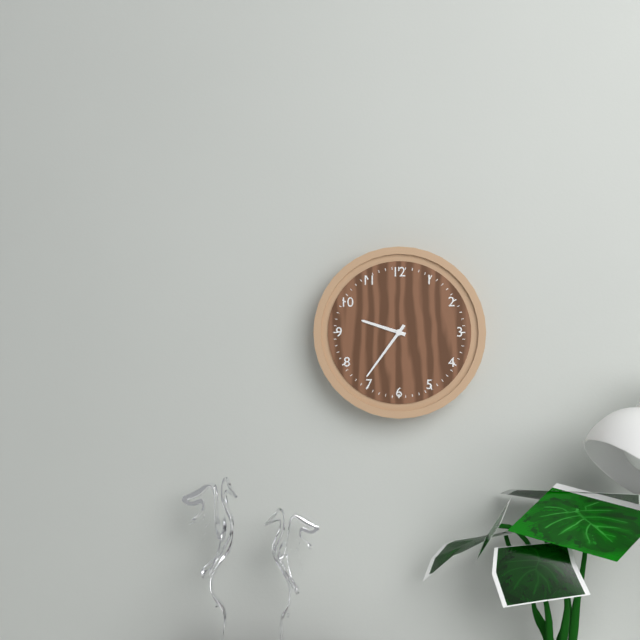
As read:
9.36
